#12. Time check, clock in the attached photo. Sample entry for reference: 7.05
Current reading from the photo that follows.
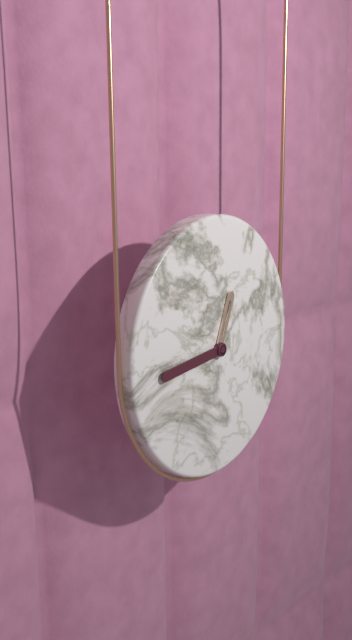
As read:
12.44
